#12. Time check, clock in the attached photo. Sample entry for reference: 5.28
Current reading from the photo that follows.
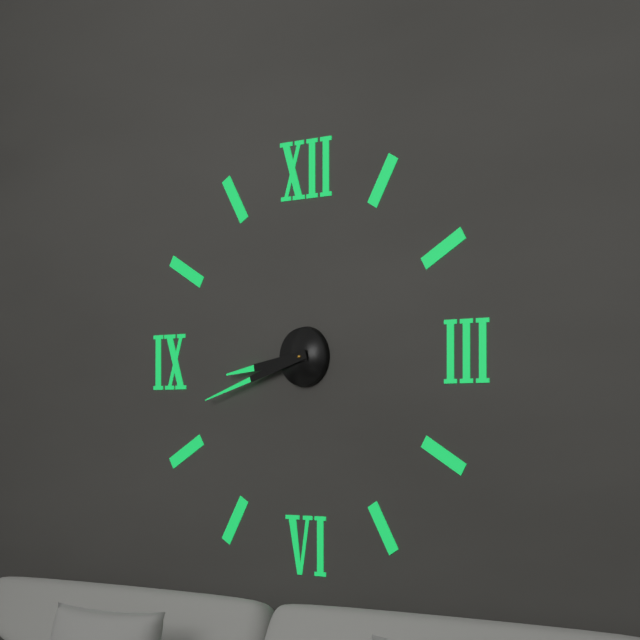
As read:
8.42
